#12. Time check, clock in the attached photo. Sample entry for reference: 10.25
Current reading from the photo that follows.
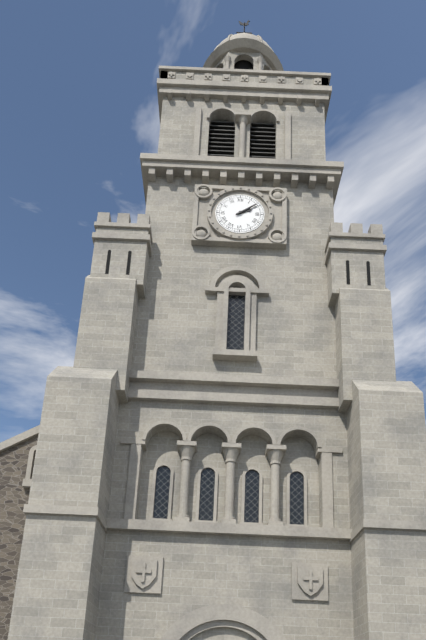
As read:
2.09
